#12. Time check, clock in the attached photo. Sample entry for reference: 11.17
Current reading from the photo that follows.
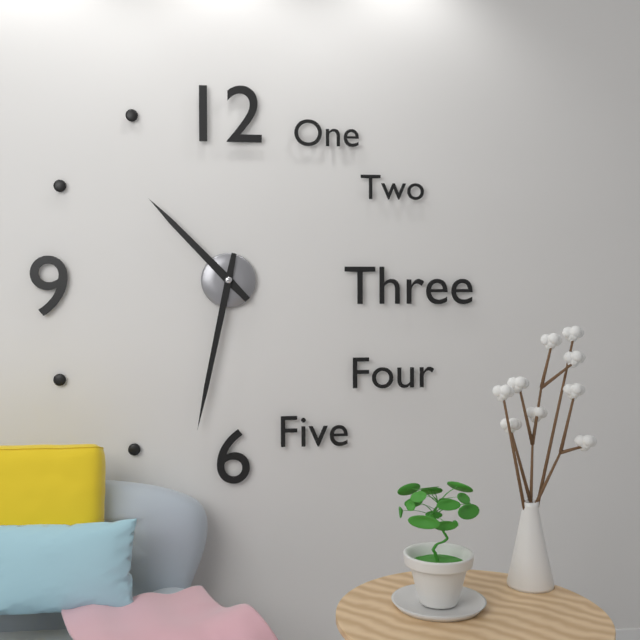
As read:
10.32
